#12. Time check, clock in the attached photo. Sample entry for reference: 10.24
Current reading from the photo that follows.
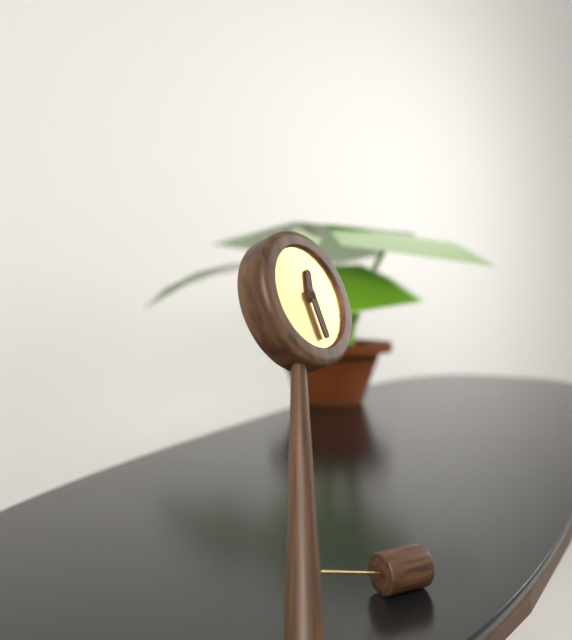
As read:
12.29
